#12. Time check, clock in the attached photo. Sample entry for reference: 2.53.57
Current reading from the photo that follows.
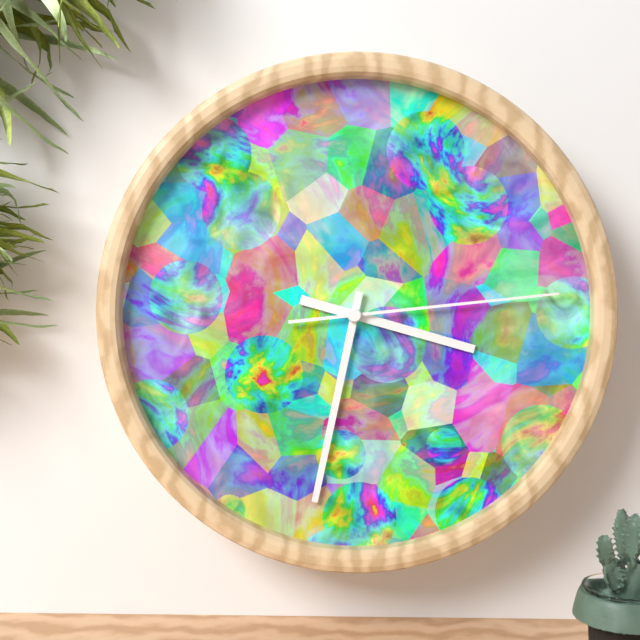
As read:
3.32.14
